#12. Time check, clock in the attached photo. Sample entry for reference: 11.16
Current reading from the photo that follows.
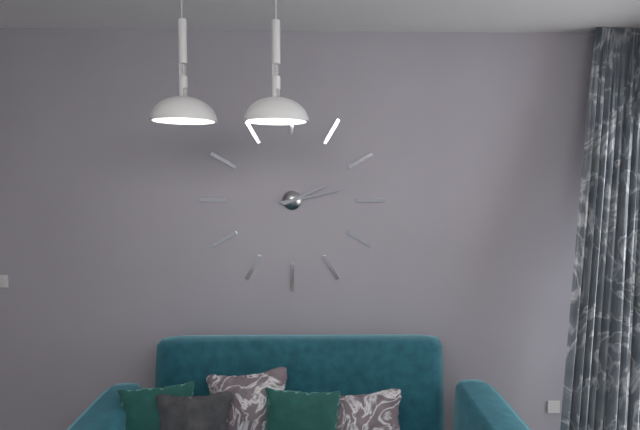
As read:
2.13
